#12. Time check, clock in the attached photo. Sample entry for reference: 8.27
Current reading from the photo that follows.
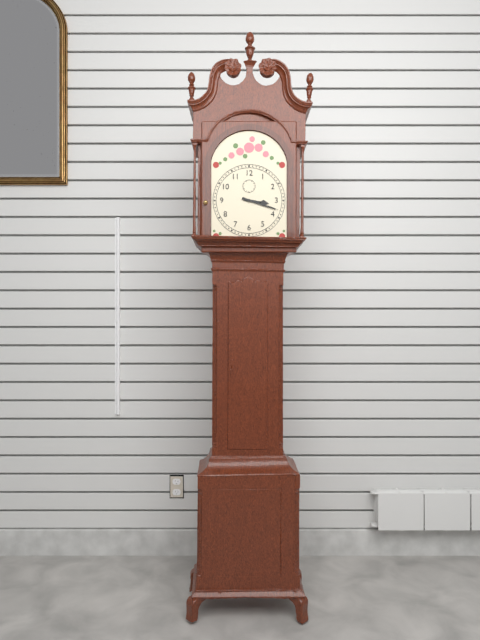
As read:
3.18
